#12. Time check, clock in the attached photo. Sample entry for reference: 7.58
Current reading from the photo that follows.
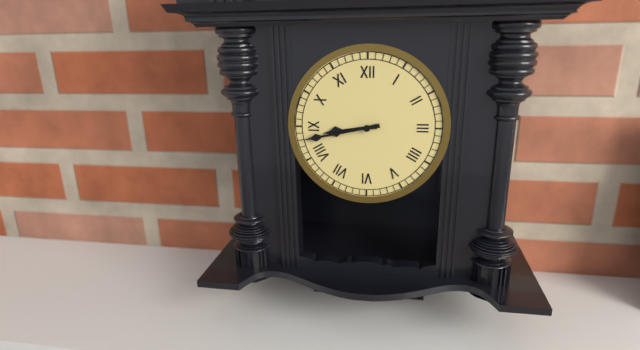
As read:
8.43
